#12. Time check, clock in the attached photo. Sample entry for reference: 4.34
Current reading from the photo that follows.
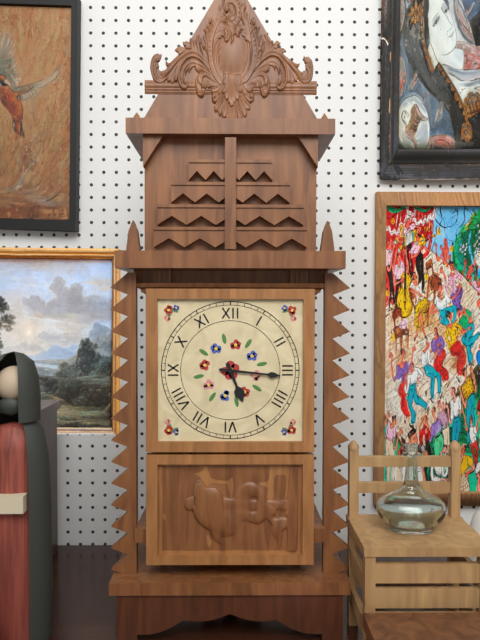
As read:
5.16
